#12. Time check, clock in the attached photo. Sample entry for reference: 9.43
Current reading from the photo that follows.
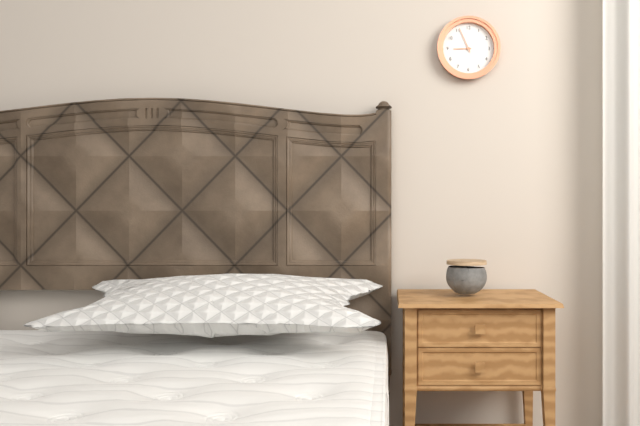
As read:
8.56
